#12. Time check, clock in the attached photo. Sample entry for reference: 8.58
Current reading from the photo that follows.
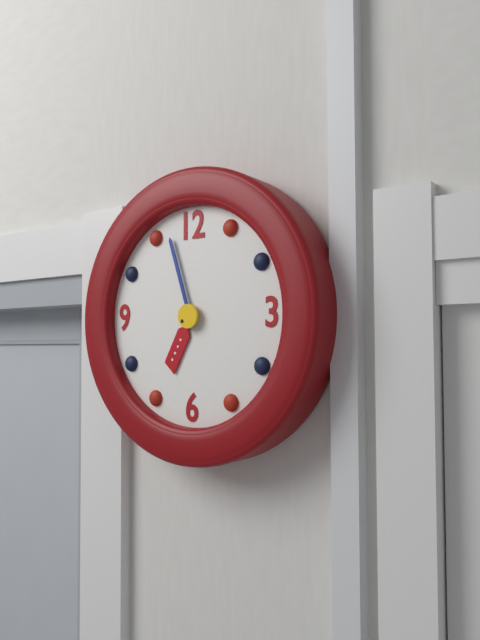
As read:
6.57
